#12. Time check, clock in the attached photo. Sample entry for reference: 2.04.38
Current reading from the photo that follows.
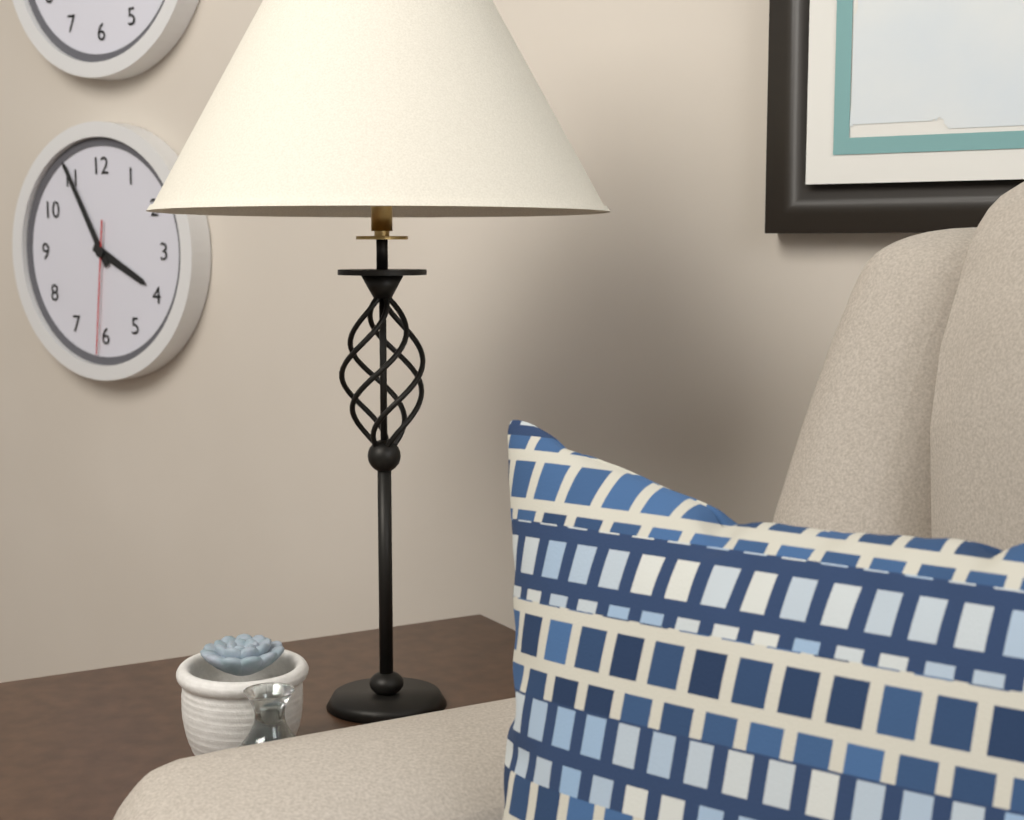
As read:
3.55.31
